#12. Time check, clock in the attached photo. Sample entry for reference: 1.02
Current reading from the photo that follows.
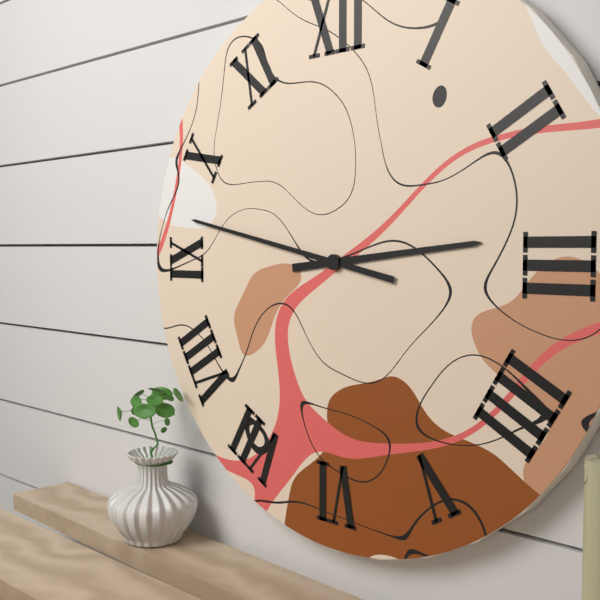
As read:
2.47
